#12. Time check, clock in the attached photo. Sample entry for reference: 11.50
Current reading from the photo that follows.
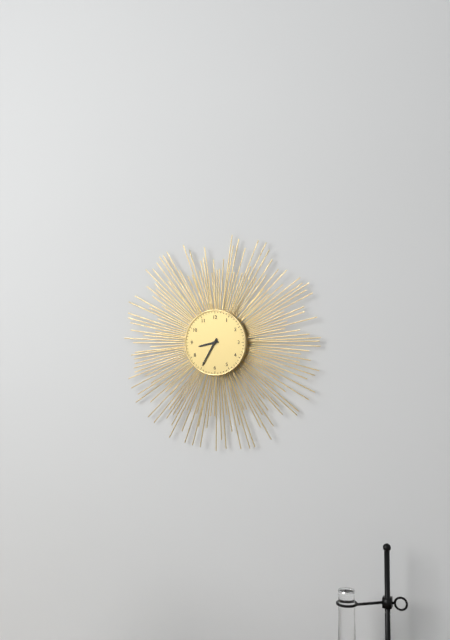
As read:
8.35
